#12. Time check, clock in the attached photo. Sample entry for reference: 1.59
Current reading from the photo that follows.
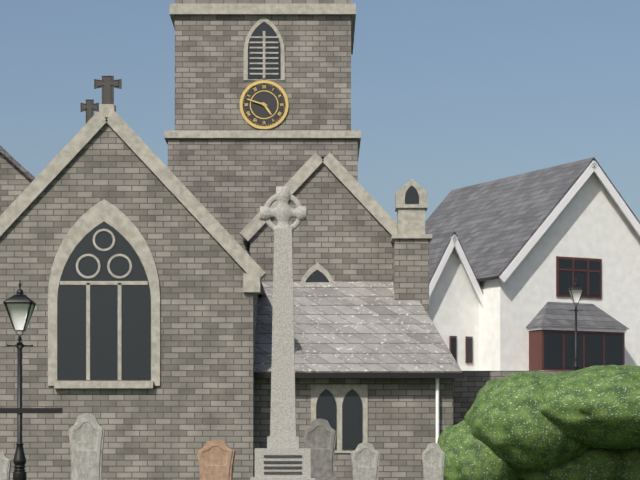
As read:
4.48
